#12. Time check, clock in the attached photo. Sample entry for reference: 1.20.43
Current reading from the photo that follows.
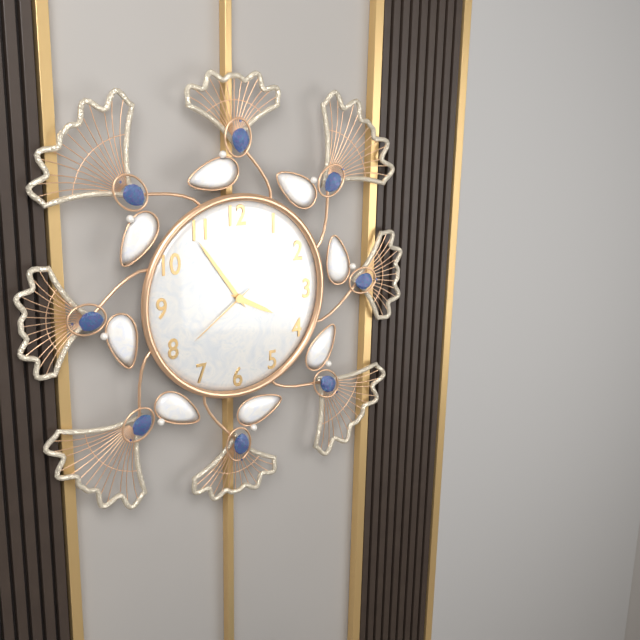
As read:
3.54.39
